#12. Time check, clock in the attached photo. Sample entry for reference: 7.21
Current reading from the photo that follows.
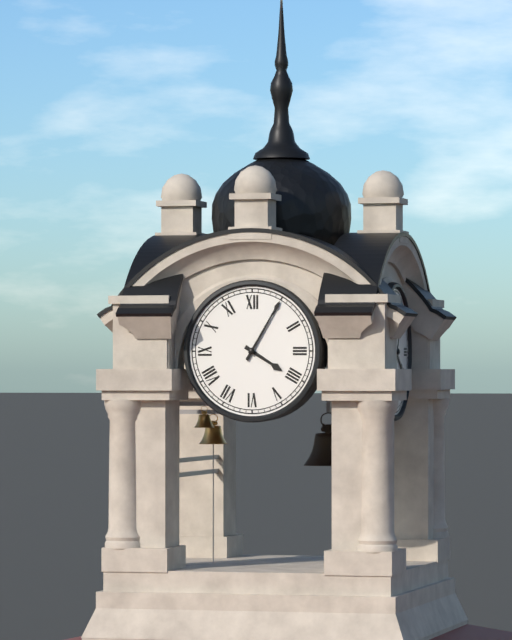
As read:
4.05
